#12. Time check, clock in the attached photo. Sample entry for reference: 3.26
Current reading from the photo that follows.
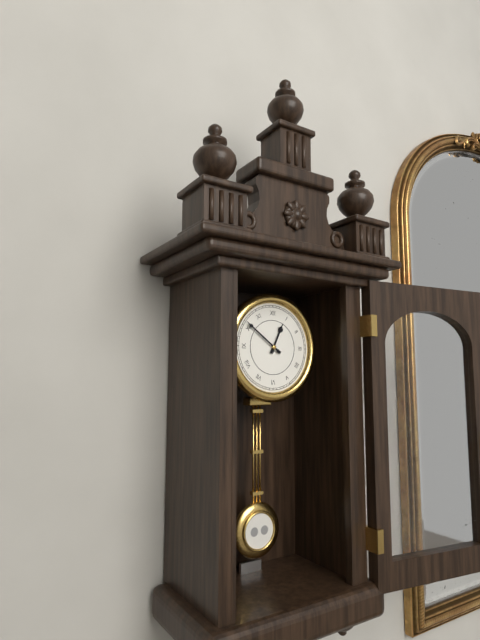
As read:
12.51
